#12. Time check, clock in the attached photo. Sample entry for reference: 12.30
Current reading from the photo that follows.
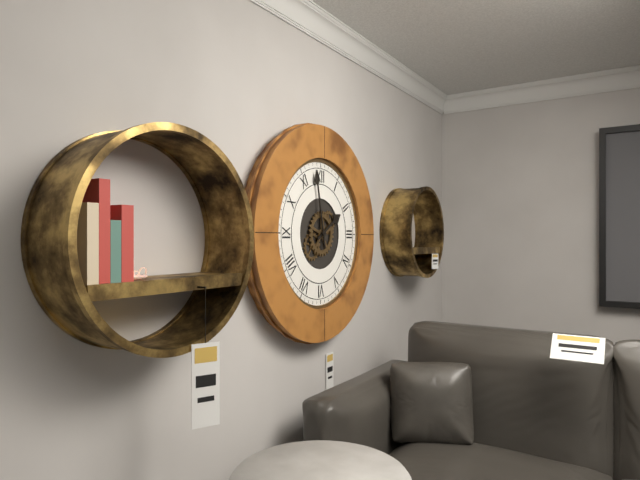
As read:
1.58
